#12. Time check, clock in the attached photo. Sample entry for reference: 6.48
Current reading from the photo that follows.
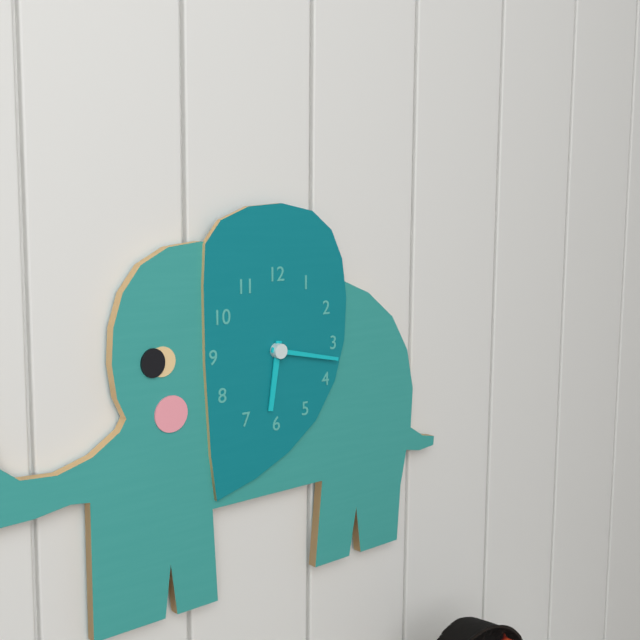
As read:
6.17
